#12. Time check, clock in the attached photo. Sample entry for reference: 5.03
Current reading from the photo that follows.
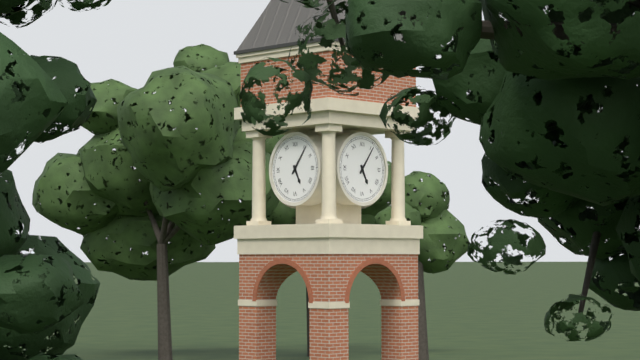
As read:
5.06
